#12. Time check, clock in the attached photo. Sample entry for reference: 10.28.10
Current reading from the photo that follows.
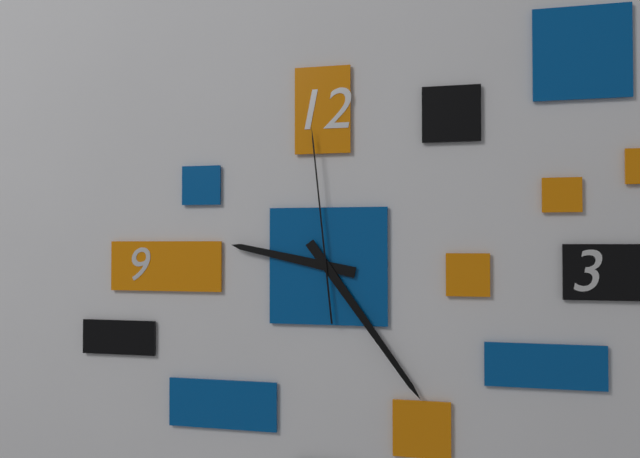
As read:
9.24.59
